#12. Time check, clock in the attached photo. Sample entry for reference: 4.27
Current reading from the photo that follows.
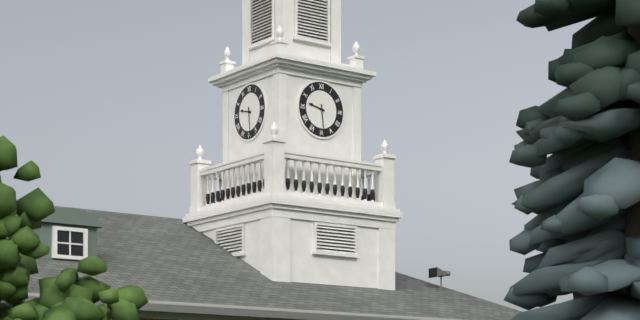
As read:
9.29
